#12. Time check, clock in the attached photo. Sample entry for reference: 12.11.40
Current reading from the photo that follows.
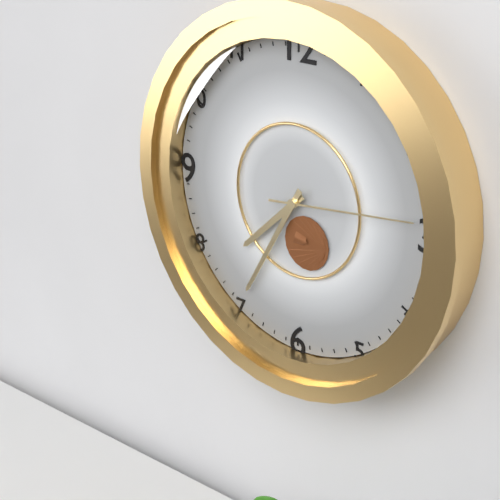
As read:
7.35.14
